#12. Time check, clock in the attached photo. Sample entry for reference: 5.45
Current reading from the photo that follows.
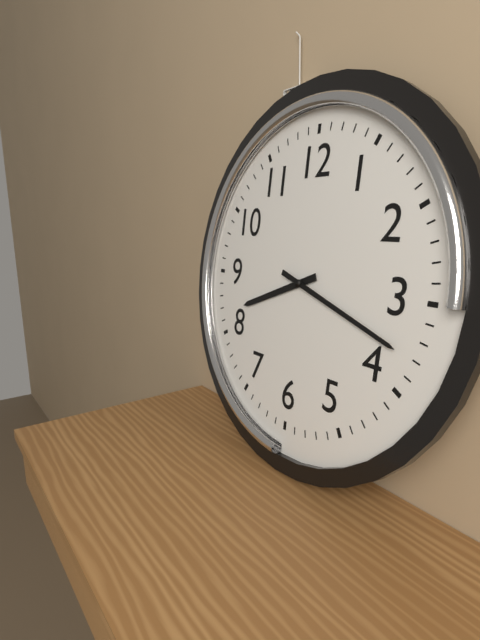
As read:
8.18
